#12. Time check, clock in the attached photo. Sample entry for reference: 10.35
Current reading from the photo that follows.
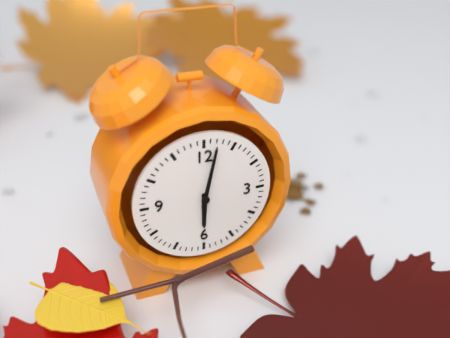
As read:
6.02
